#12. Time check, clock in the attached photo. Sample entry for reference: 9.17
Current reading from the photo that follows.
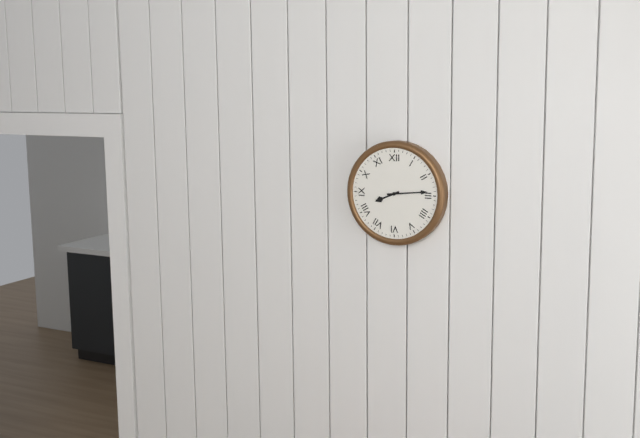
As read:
8.14
